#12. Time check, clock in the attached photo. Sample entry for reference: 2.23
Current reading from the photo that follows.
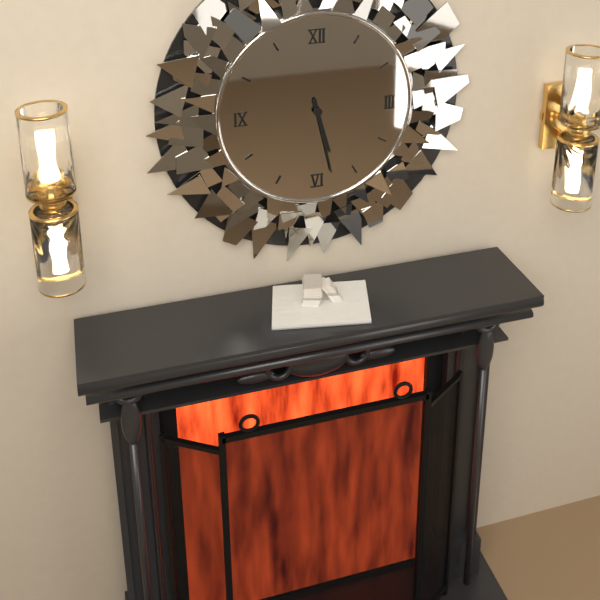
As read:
5.28
